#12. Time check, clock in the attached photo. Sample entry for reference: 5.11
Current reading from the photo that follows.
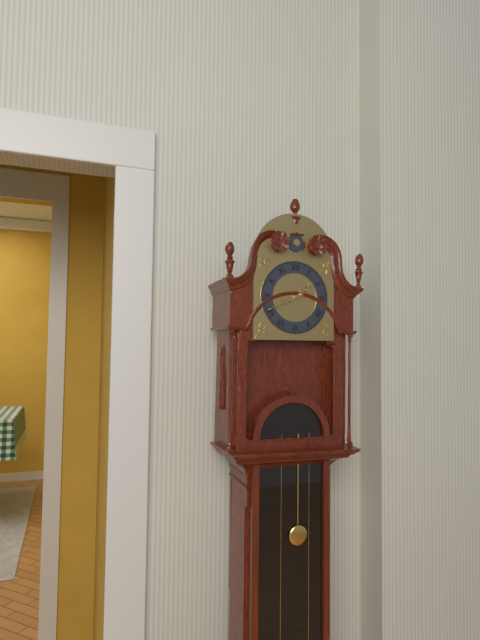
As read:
1.41
